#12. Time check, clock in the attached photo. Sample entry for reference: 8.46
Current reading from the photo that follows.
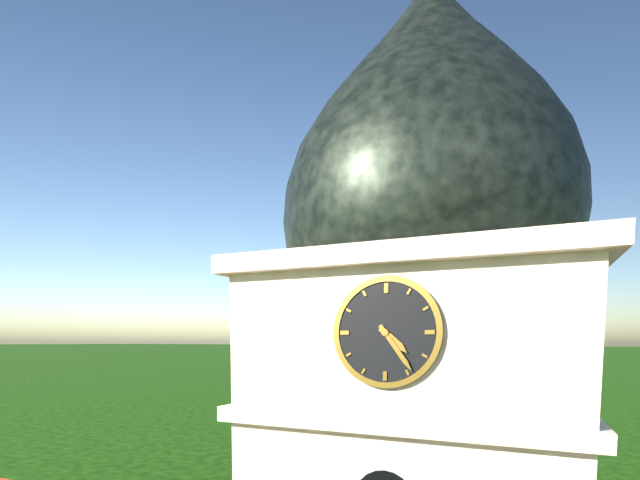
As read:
4.24
